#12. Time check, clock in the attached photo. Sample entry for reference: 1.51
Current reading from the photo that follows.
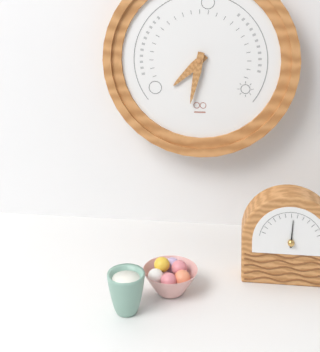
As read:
7.32
